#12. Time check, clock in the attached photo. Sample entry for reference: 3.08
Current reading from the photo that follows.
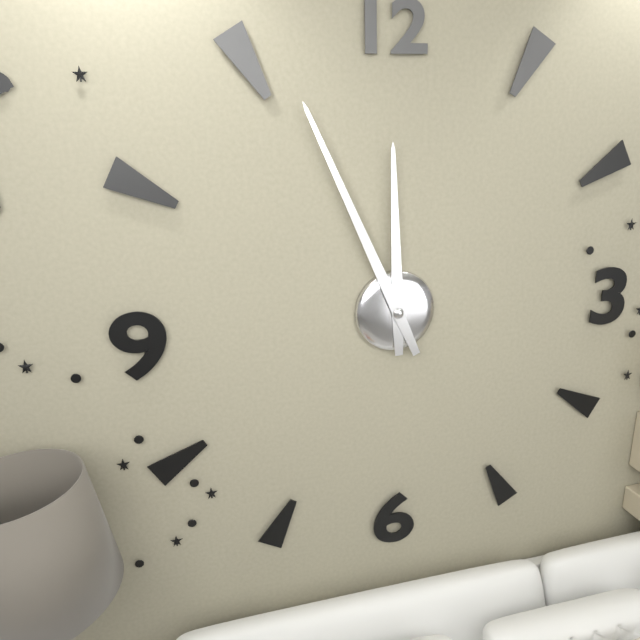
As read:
11.56
